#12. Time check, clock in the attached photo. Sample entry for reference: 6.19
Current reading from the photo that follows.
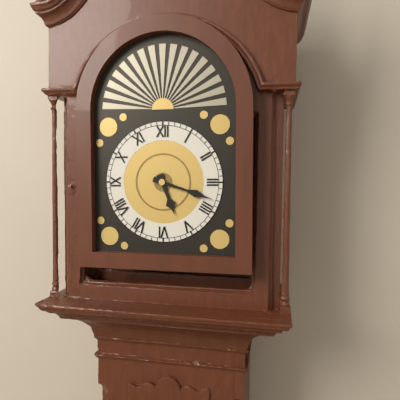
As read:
5.18
